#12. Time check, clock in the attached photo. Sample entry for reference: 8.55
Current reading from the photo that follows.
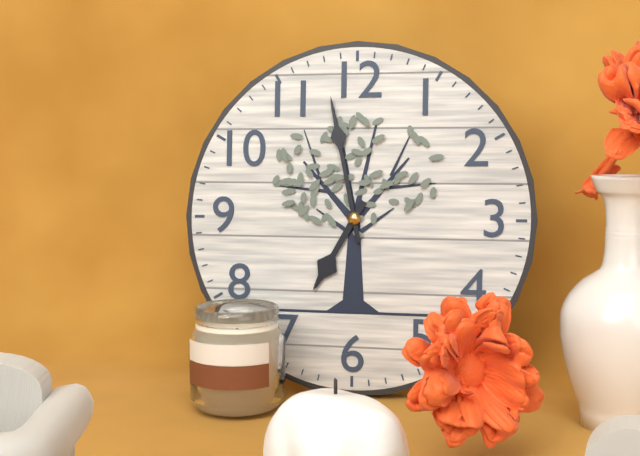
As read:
6.58
